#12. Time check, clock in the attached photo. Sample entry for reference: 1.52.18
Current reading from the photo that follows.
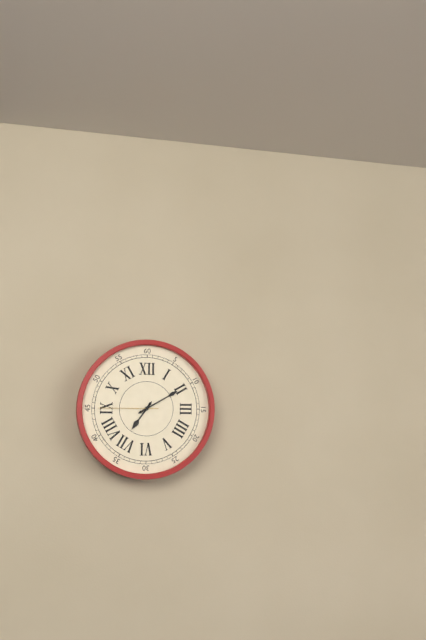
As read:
7.10.45
